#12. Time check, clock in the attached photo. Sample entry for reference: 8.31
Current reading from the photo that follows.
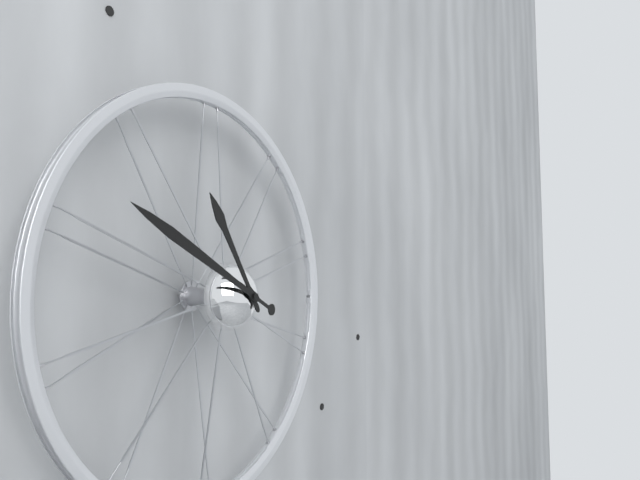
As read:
10.49
